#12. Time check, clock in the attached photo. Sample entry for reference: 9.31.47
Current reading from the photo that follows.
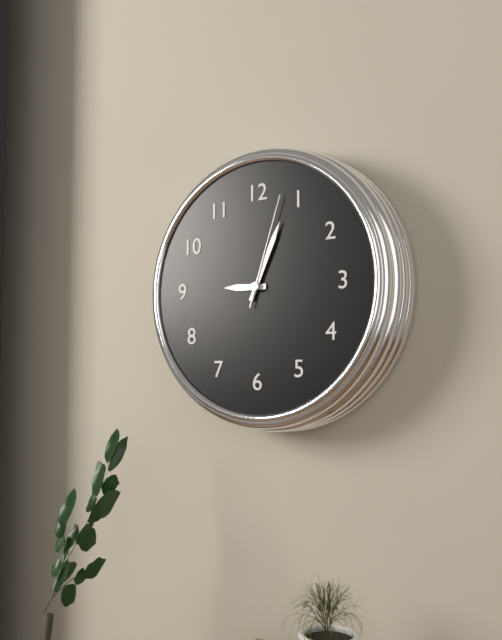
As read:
9.04.03
